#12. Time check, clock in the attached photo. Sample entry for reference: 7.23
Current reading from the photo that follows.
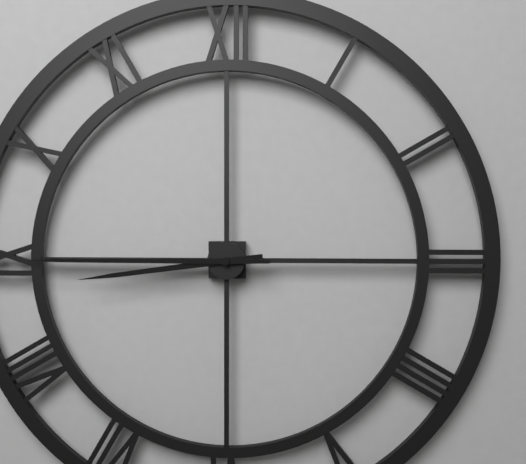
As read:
8.45
